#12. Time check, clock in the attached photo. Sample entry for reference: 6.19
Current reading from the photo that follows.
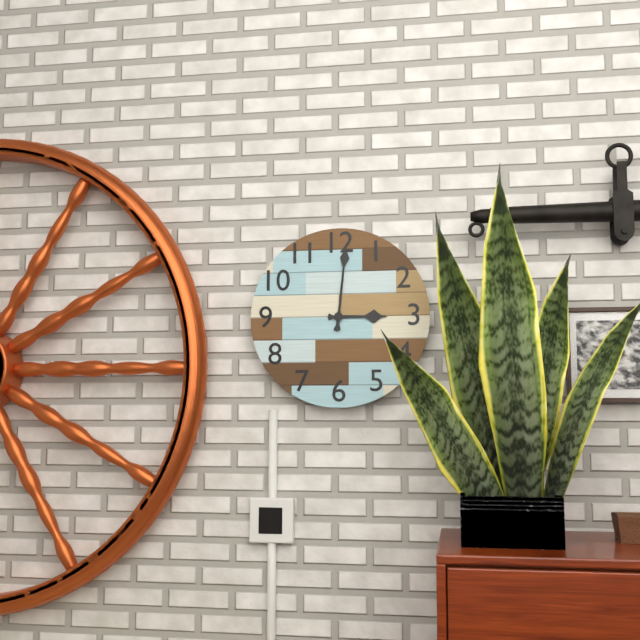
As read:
3.01
